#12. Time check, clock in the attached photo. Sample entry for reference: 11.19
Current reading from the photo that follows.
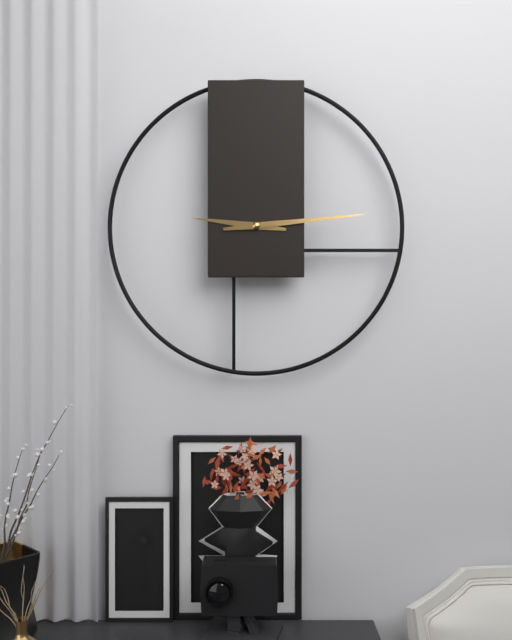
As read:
9.14
